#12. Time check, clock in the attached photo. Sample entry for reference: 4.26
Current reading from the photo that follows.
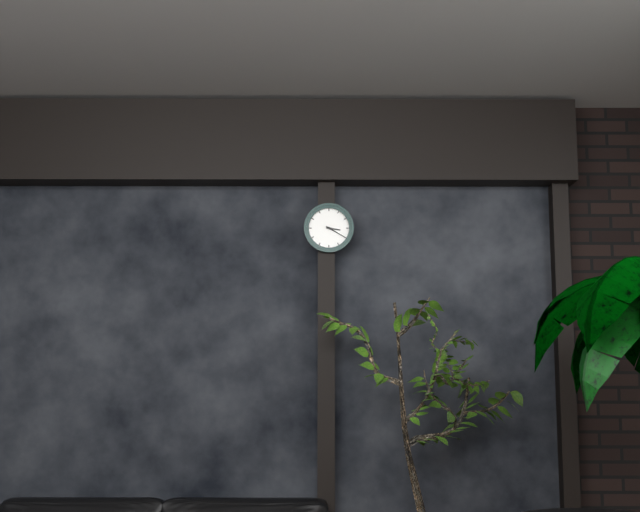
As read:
3.20
